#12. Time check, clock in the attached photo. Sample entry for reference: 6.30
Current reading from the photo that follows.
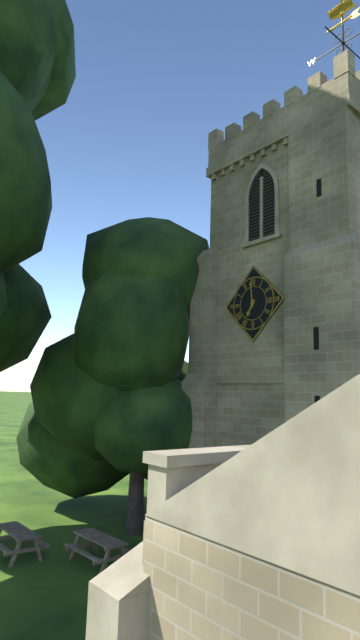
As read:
6.59
